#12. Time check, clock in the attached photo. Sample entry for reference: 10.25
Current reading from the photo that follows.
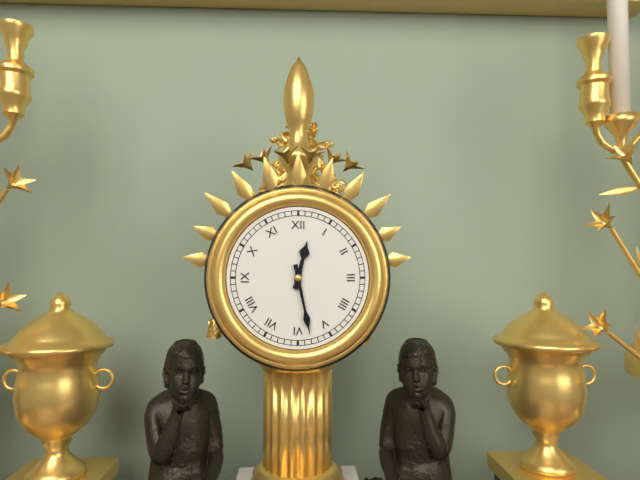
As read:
12.28
